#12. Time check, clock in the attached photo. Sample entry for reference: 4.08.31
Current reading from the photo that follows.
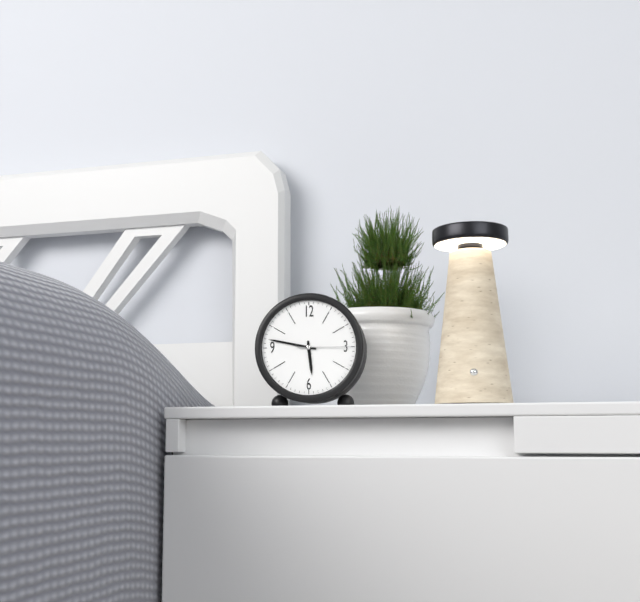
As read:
5.47.15
